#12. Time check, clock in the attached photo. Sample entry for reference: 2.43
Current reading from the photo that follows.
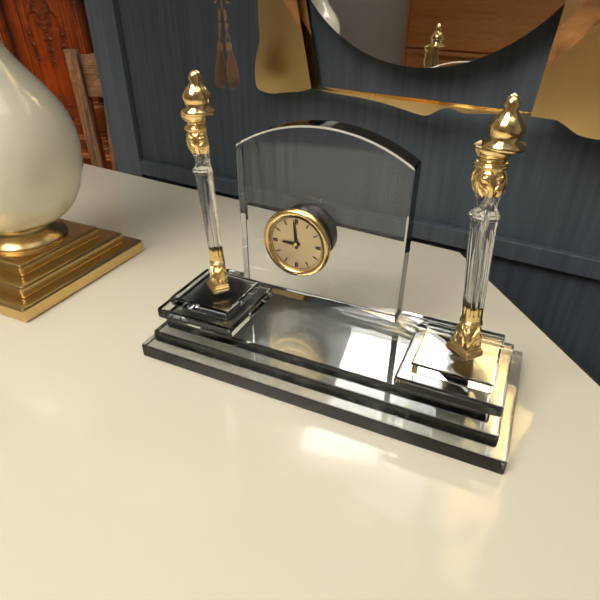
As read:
8.59
